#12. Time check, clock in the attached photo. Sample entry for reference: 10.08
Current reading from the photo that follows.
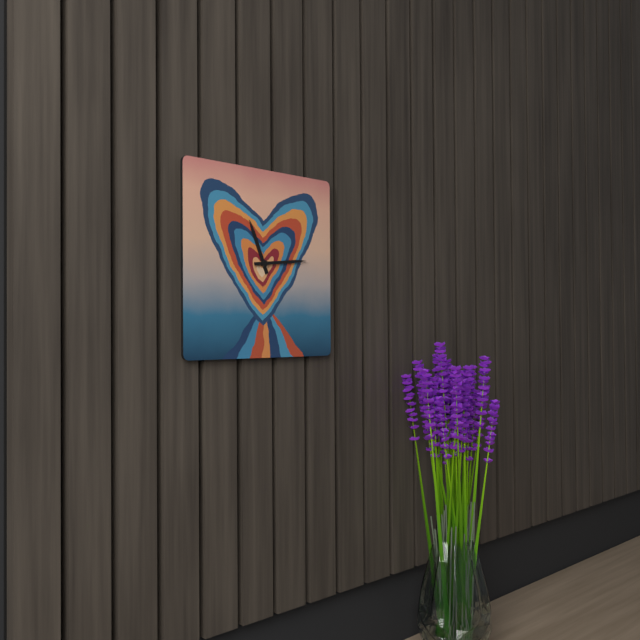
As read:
11.14
